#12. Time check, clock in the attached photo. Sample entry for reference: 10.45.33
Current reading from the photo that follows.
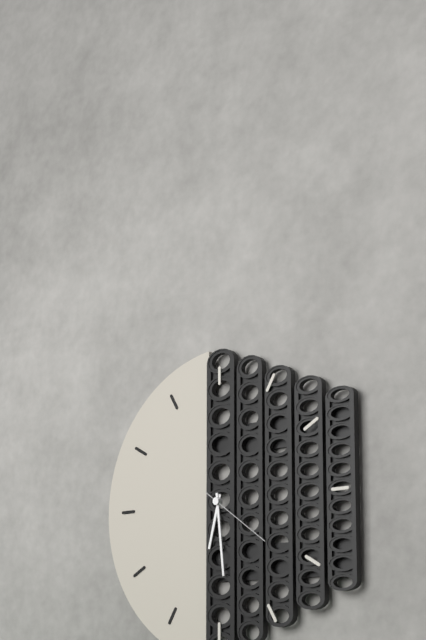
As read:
6.29.21
